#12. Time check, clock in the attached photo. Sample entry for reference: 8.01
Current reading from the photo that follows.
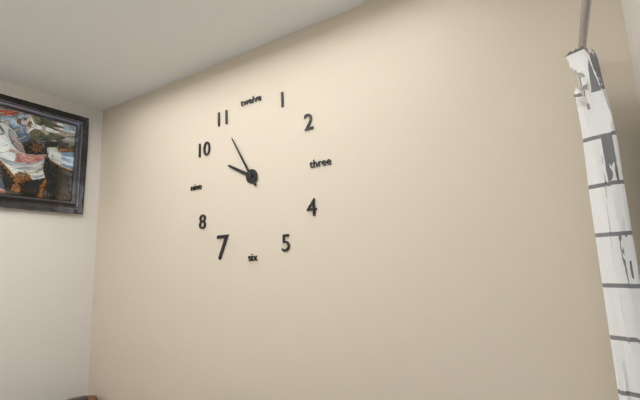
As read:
9.55
